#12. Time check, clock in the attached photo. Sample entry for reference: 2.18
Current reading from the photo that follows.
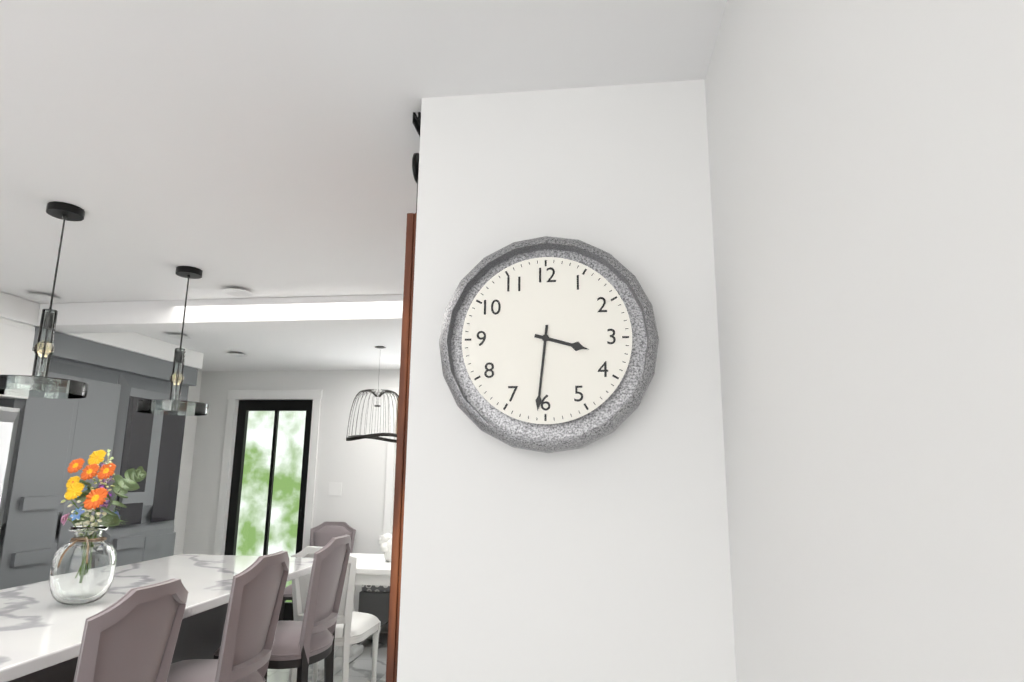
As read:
3.31
